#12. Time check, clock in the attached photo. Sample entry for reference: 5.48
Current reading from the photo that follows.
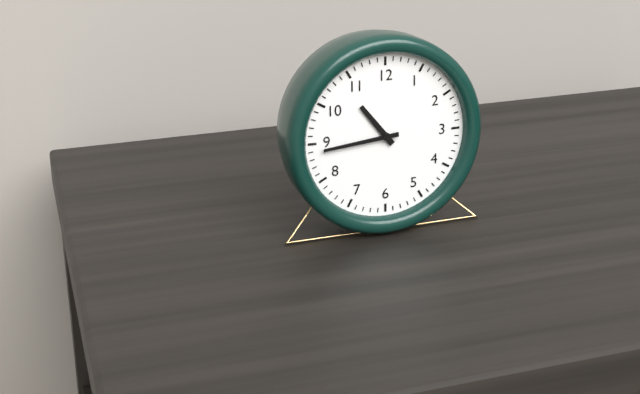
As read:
10.44
